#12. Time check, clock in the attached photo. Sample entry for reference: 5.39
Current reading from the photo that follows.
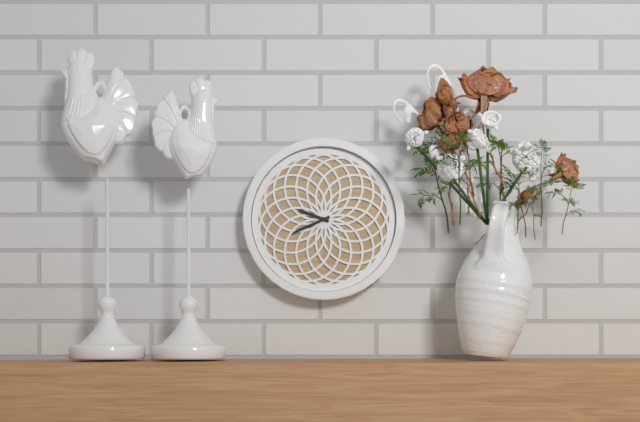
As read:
9.41
